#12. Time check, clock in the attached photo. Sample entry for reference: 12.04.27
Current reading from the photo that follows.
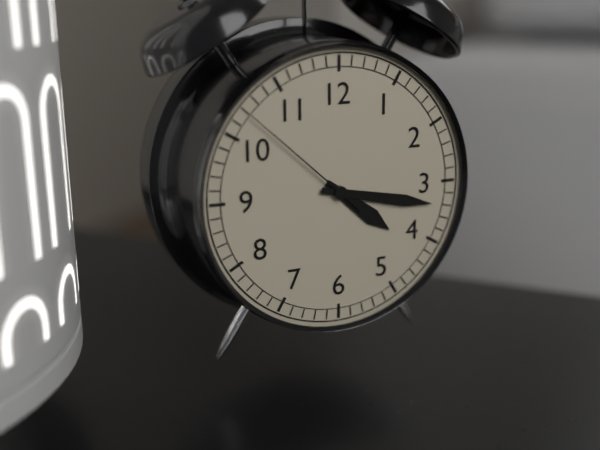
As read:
4.17.52
